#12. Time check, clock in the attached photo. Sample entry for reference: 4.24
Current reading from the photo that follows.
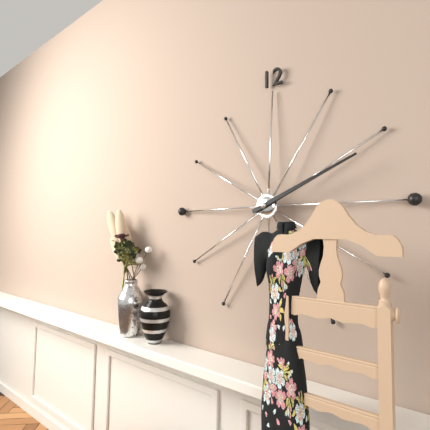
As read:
2.11
